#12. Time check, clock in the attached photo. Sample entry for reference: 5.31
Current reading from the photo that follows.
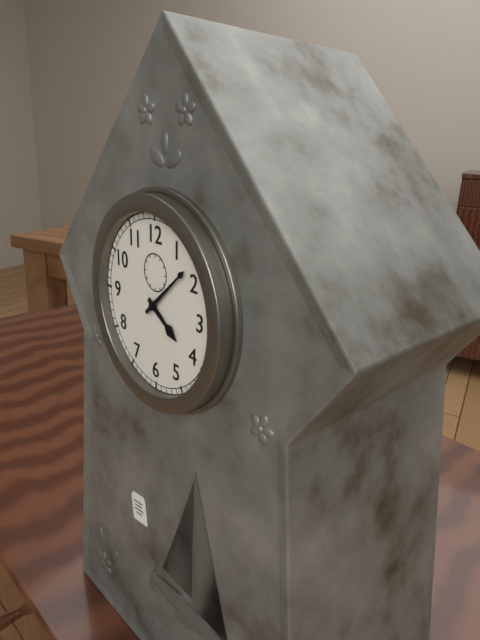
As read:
4.08
